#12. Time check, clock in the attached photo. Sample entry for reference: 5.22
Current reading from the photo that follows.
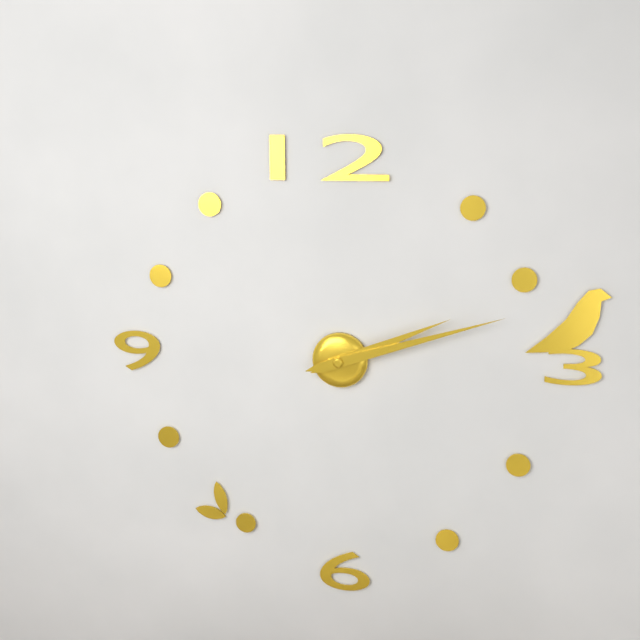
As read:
2.12
